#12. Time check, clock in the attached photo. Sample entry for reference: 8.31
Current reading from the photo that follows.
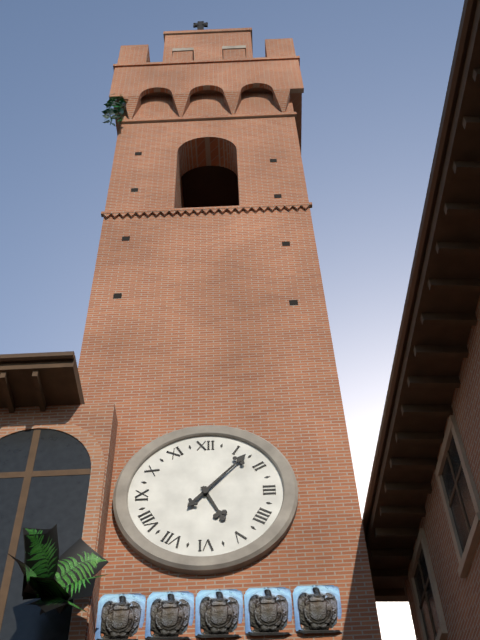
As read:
5.07
